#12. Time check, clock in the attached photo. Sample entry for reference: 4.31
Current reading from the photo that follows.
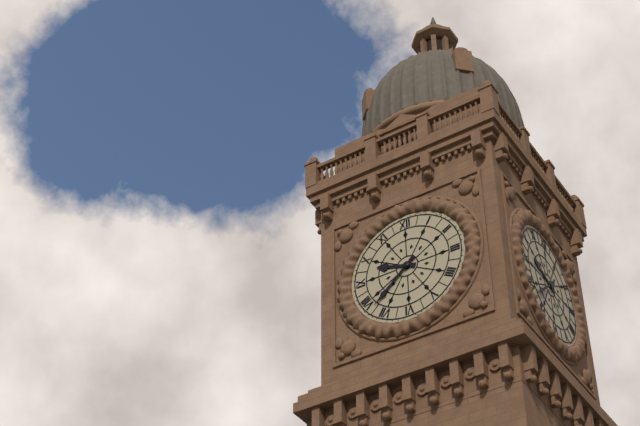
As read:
9.38
